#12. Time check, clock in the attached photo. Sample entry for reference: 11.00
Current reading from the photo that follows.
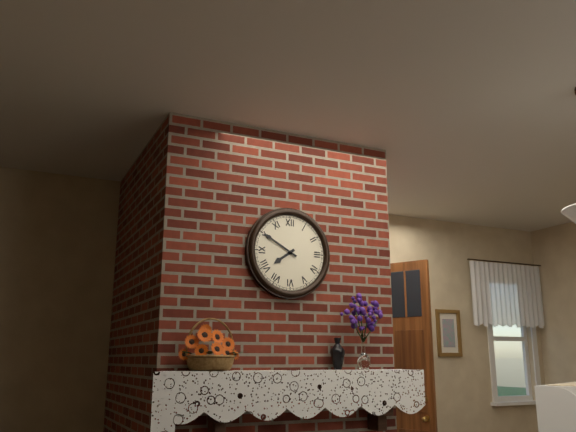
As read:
7.50
